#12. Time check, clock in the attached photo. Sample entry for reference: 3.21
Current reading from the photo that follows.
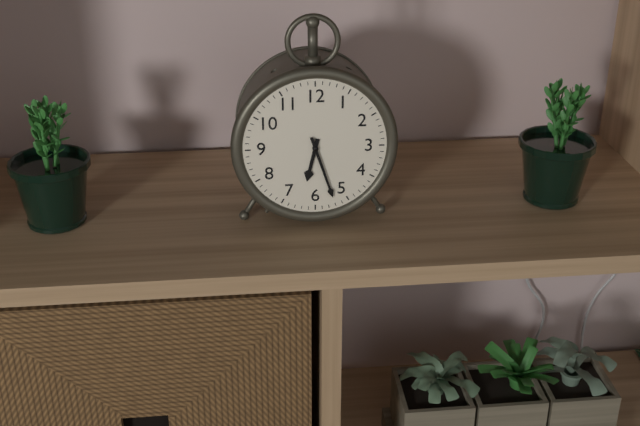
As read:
6.27
